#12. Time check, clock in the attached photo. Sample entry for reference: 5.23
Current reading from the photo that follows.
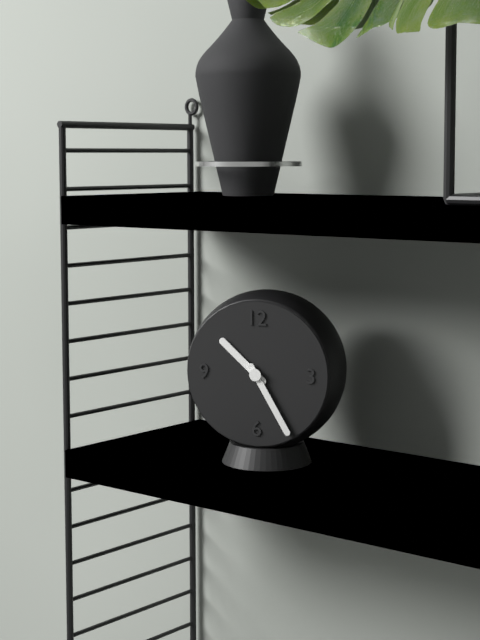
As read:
10.25
